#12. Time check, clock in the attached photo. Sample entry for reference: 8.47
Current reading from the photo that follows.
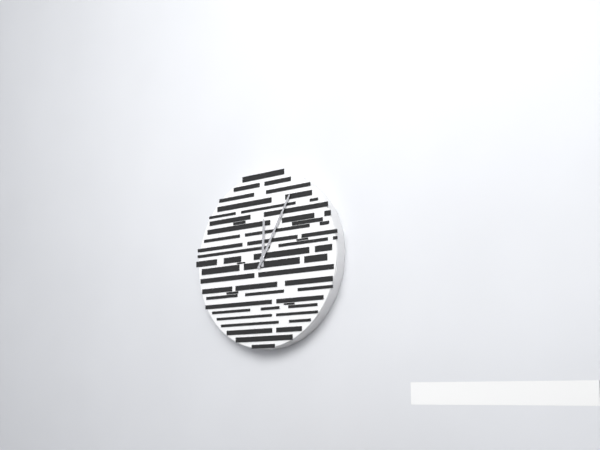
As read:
12.05
